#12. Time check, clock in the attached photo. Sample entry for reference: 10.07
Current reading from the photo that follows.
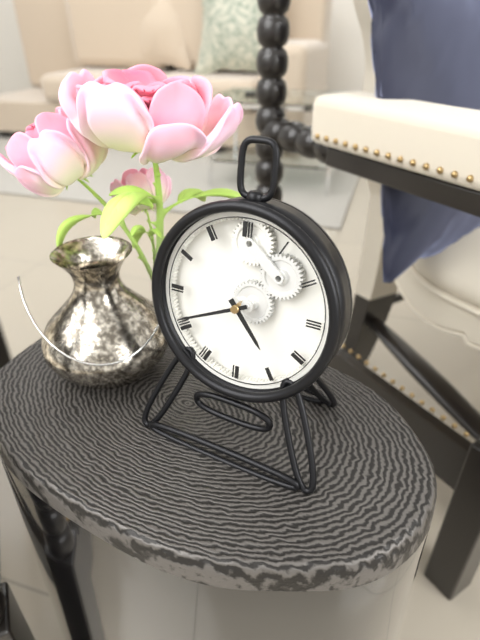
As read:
4.41
